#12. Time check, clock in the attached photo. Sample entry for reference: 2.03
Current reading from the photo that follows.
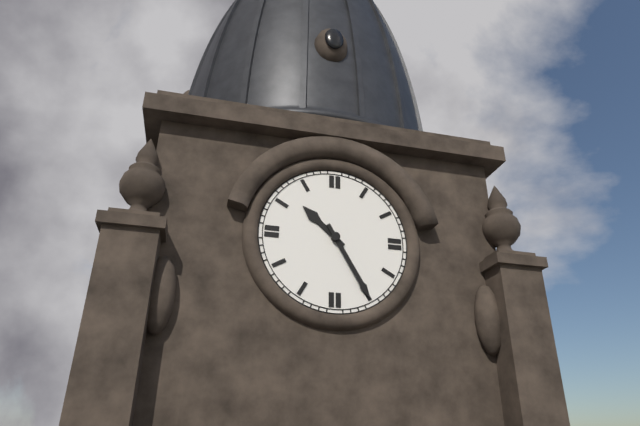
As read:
10.25
